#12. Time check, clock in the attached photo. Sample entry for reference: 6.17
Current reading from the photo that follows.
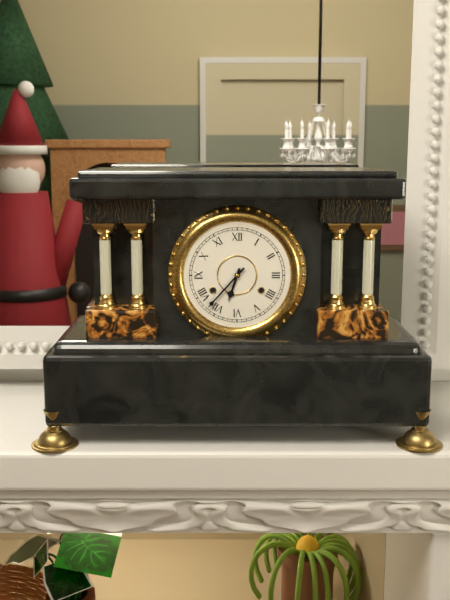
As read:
6.37
